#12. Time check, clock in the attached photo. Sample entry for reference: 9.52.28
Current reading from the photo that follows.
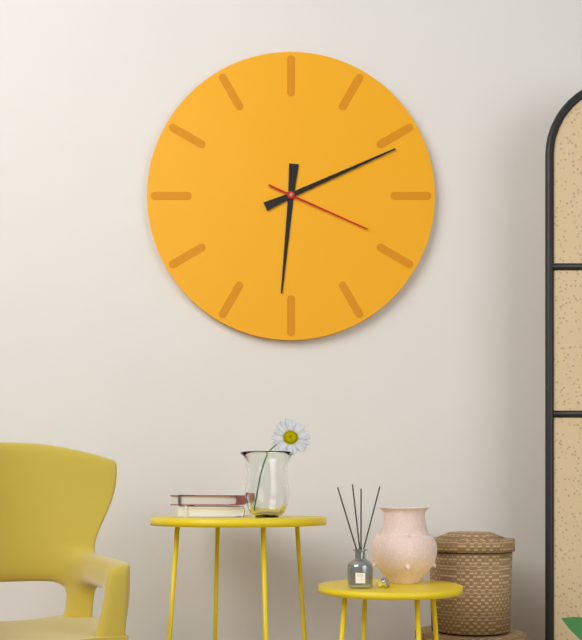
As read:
6.11.19
